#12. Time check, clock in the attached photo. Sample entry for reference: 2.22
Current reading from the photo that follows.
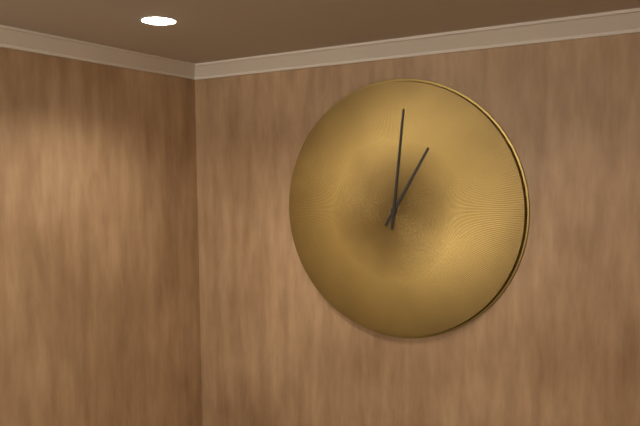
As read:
1.01
